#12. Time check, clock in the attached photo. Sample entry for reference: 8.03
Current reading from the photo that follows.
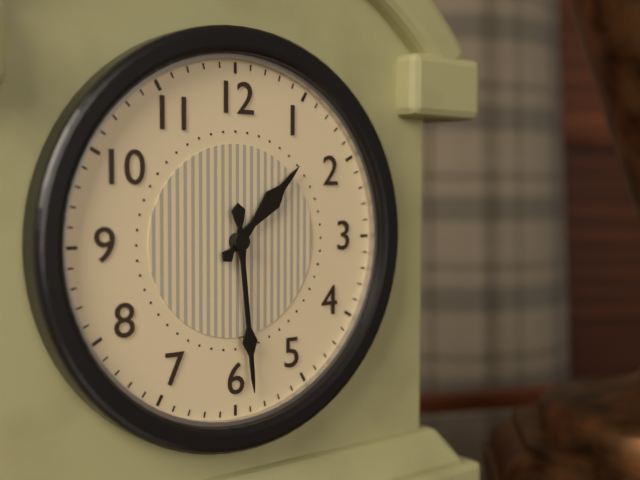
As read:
1.29
